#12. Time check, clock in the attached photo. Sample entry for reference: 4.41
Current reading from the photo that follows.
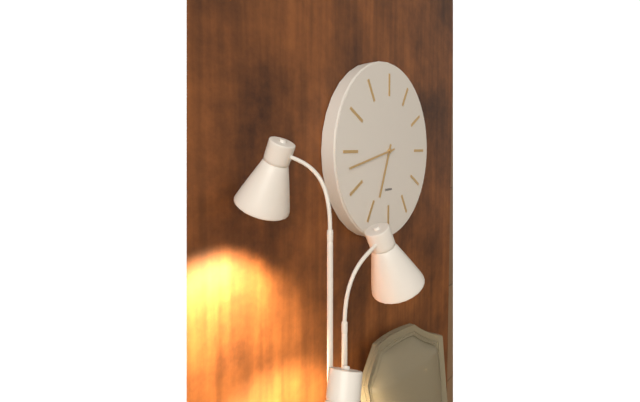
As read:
6.43
